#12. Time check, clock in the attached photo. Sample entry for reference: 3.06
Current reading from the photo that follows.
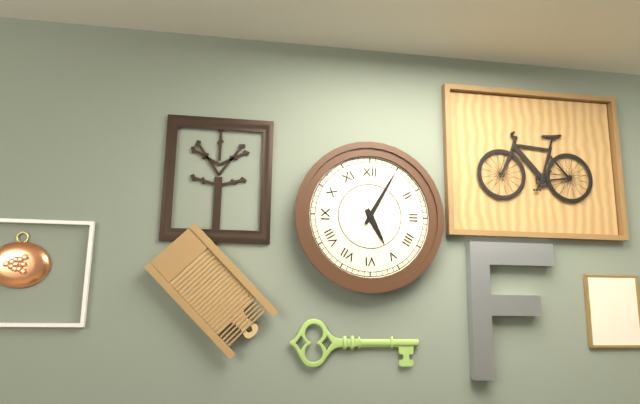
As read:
5.05
